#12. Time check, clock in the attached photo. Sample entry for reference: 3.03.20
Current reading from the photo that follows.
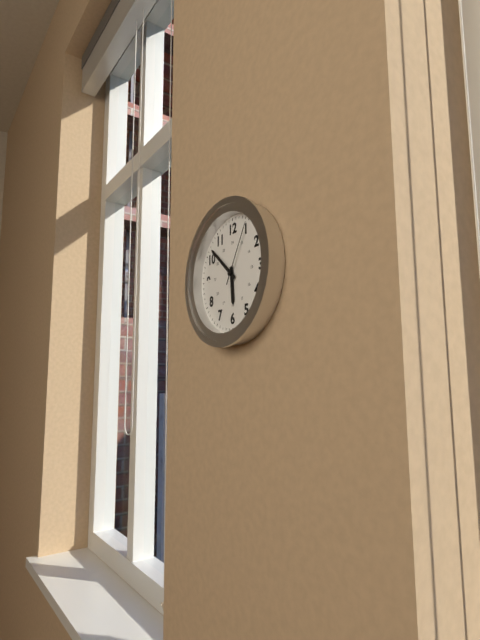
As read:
5.52.05
